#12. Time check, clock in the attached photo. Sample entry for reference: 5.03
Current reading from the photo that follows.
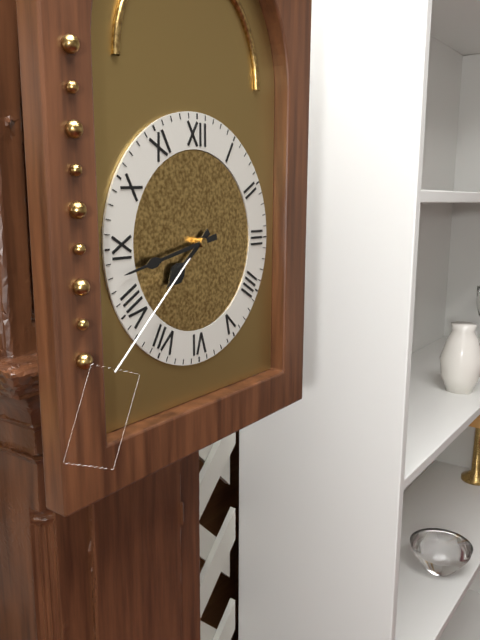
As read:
7.43
